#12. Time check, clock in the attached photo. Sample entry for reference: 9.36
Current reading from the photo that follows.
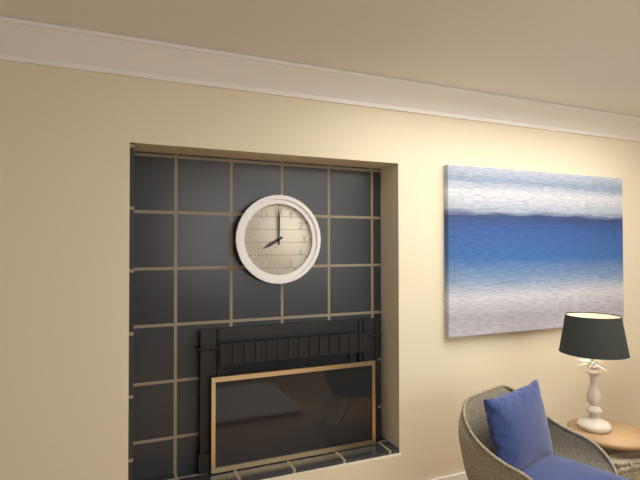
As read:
8.00
